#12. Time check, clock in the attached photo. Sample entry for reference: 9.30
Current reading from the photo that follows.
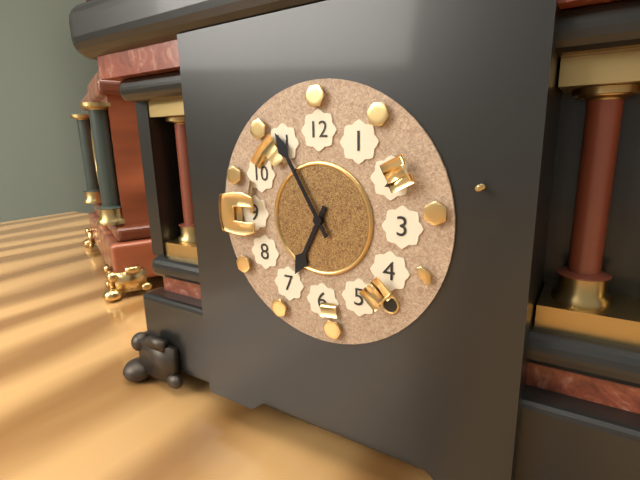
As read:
6.55
